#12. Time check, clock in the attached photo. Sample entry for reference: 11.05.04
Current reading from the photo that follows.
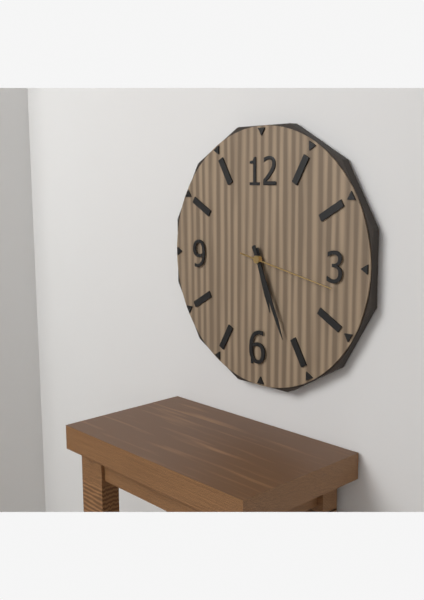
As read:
5.26.17
